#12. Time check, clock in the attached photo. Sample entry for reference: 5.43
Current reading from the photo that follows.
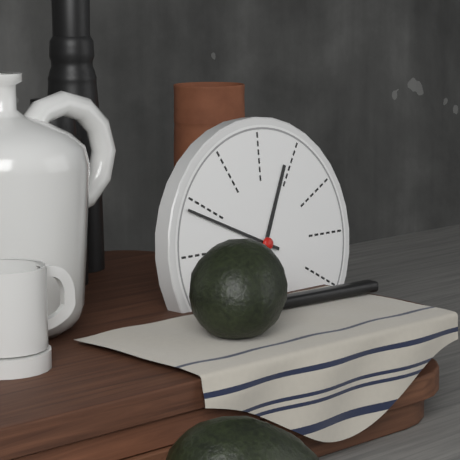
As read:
12.49
